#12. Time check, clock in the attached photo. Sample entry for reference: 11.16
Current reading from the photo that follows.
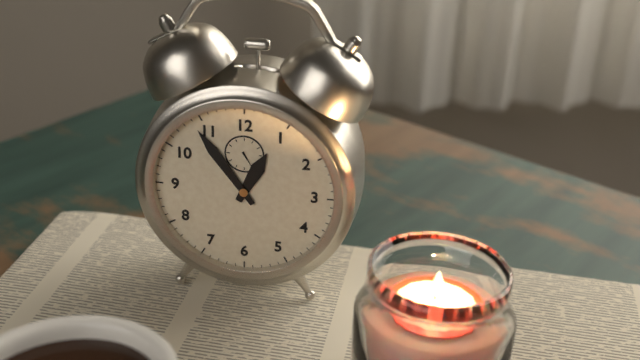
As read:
12.54
